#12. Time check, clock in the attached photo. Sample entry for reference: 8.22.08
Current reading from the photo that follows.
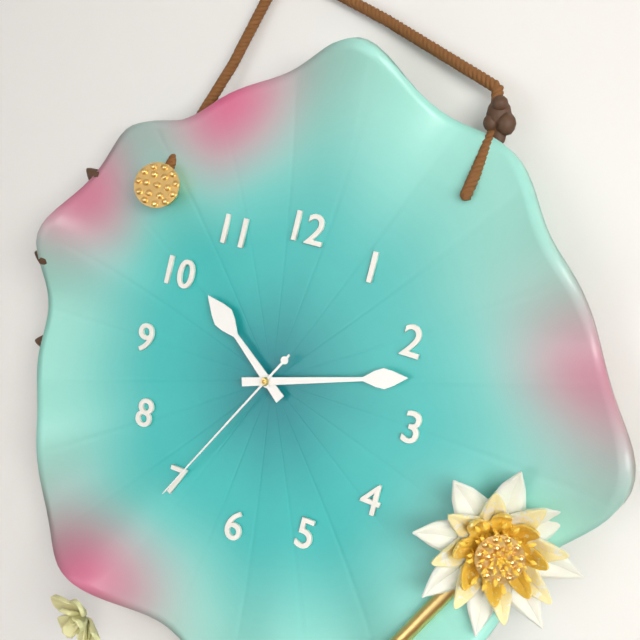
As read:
10.12.35
